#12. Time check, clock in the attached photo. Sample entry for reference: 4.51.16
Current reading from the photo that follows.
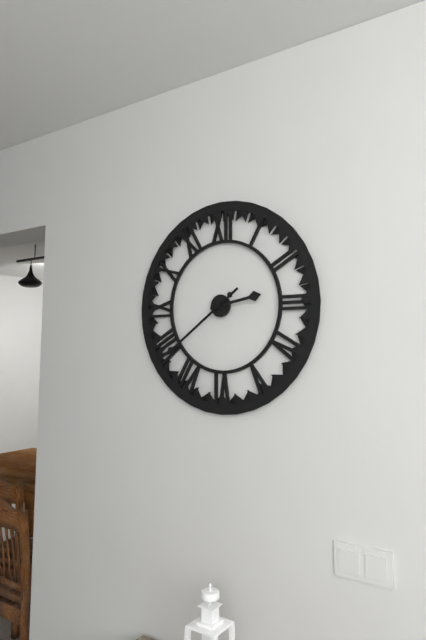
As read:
2.39.39
